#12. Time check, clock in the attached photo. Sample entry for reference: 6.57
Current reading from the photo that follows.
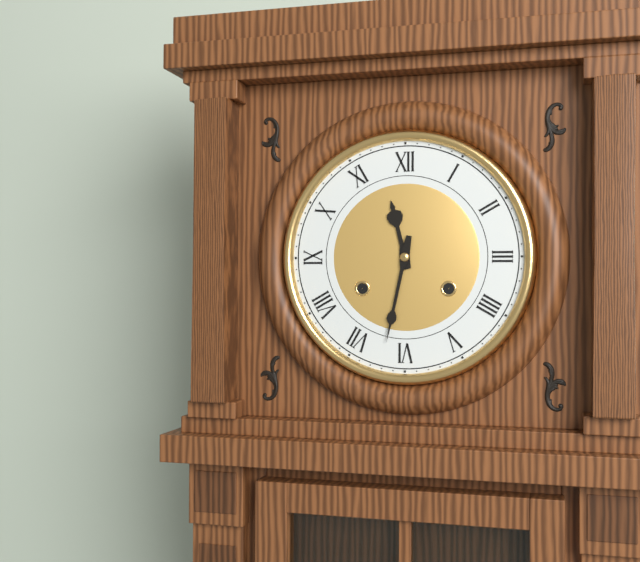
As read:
11.32
